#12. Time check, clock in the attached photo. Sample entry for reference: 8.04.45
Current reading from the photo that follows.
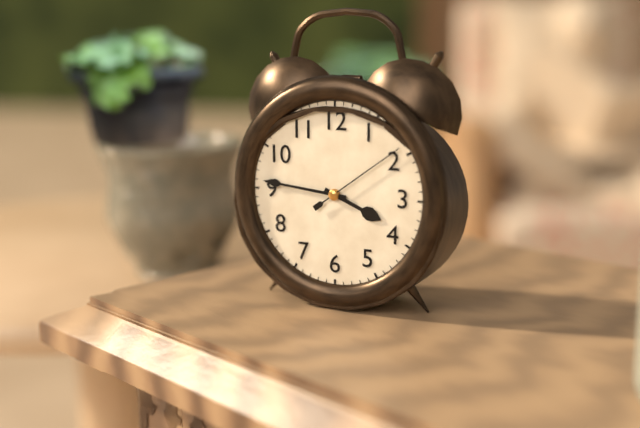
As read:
3.46.09
